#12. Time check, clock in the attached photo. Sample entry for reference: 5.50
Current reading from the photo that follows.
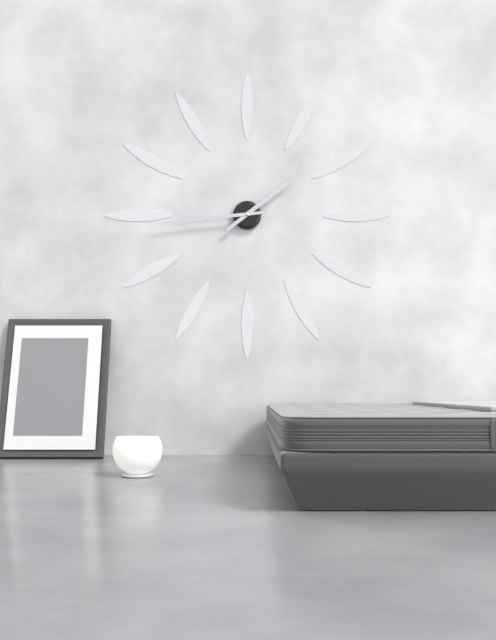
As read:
1.44
